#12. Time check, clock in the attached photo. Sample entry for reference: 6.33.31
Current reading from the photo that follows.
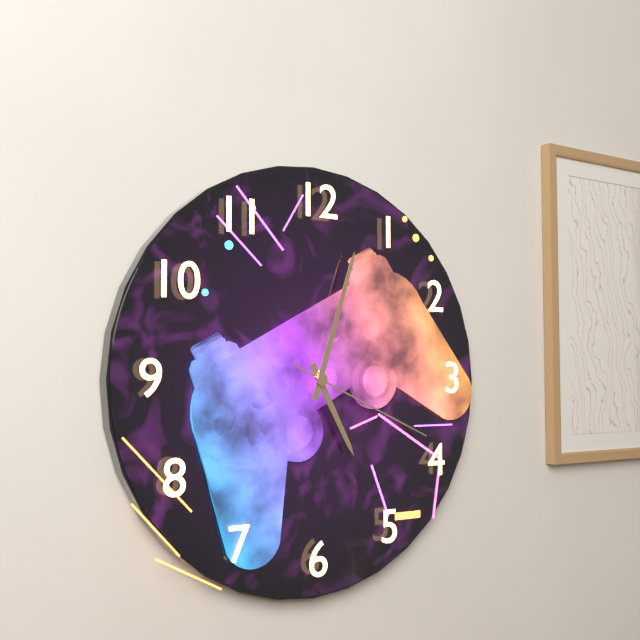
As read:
5.03.19
